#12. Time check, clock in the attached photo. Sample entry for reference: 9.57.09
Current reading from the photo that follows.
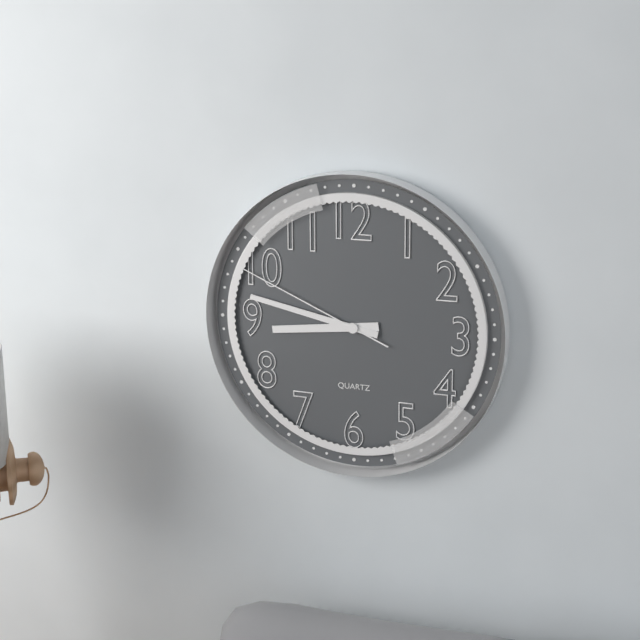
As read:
8.47.49
